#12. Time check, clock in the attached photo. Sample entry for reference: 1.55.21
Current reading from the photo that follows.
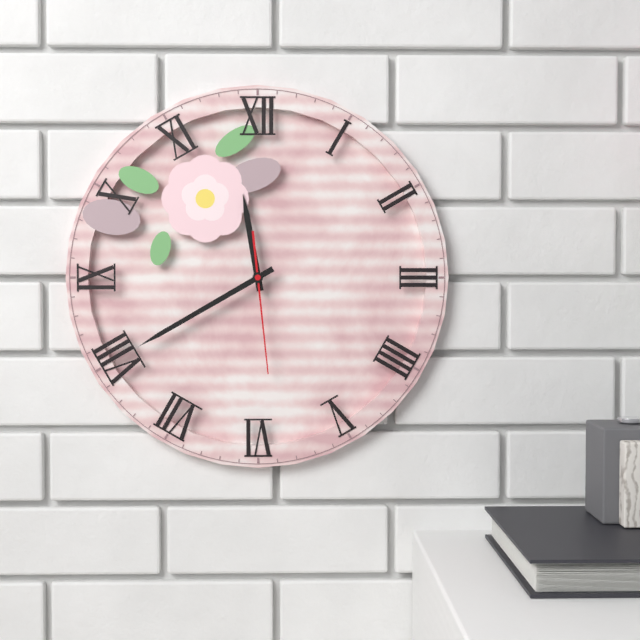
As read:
11.40.29
